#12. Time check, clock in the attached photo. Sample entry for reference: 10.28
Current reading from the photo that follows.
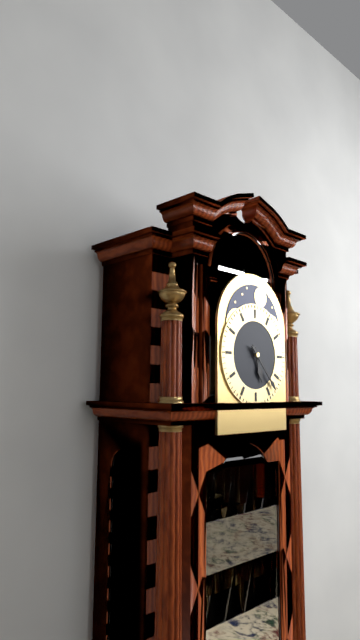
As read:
5.23
